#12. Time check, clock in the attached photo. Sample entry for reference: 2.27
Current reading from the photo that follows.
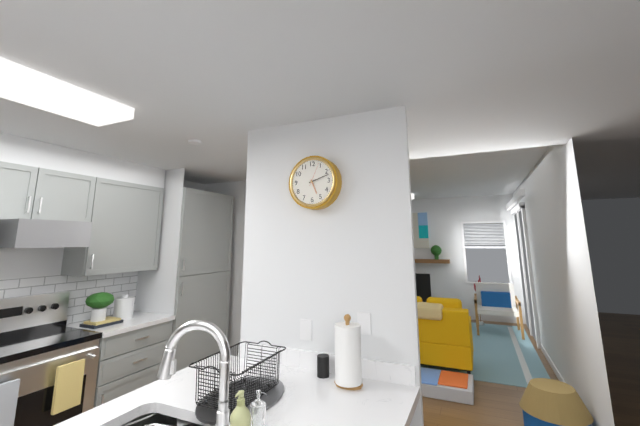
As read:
5.12
